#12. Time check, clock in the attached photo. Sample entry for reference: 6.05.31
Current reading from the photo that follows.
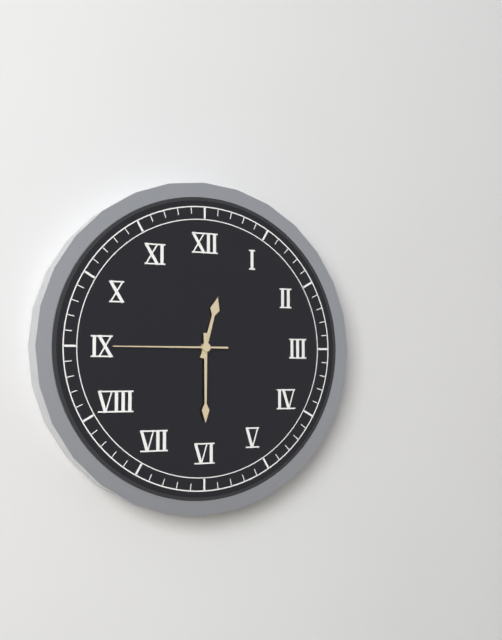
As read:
12.30.45
